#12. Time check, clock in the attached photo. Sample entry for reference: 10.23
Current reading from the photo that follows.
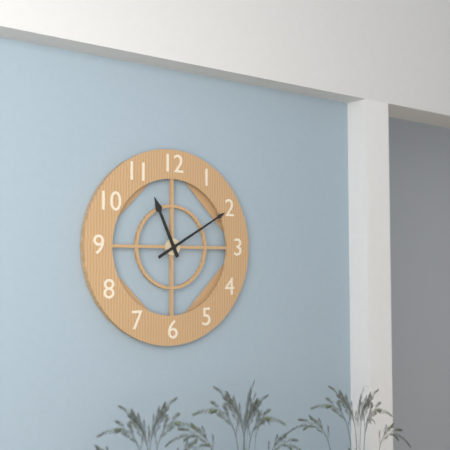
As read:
11.10
